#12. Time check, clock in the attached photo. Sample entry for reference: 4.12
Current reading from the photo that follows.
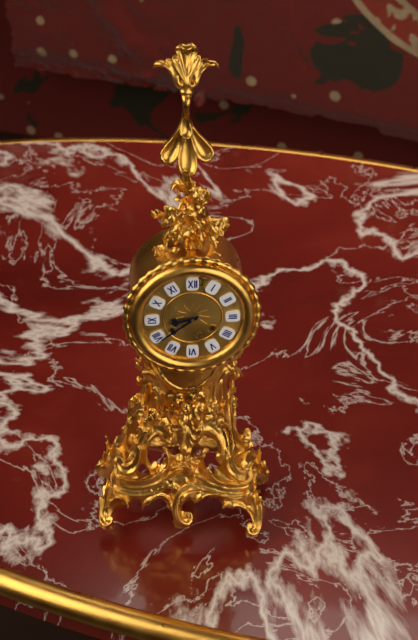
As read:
8.39
